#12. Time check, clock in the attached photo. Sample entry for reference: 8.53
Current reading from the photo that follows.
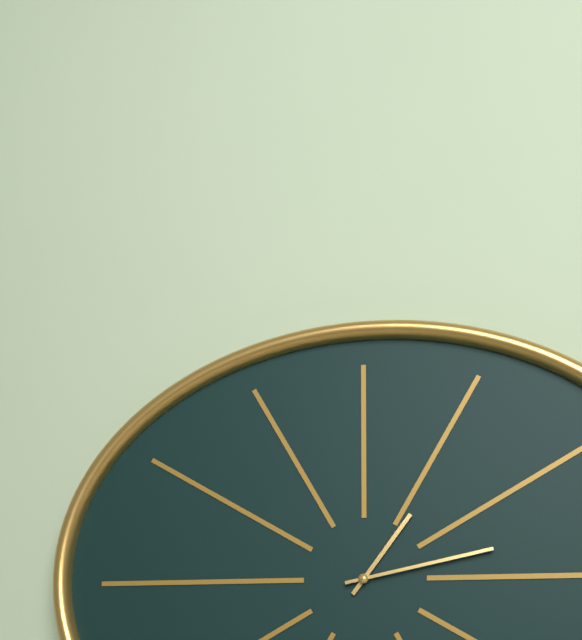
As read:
1.13
